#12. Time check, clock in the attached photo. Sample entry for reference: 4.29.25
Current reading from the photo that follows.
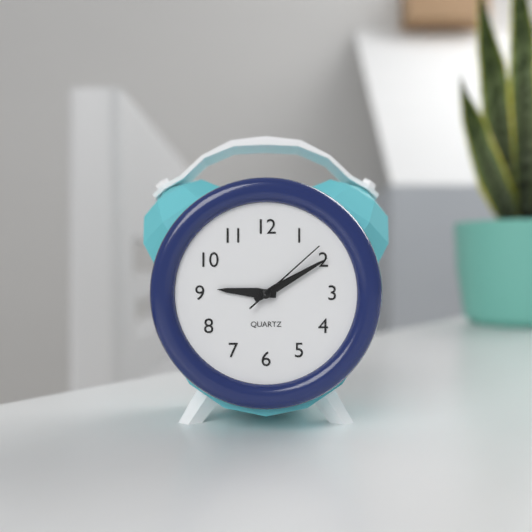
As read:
9.10.08
